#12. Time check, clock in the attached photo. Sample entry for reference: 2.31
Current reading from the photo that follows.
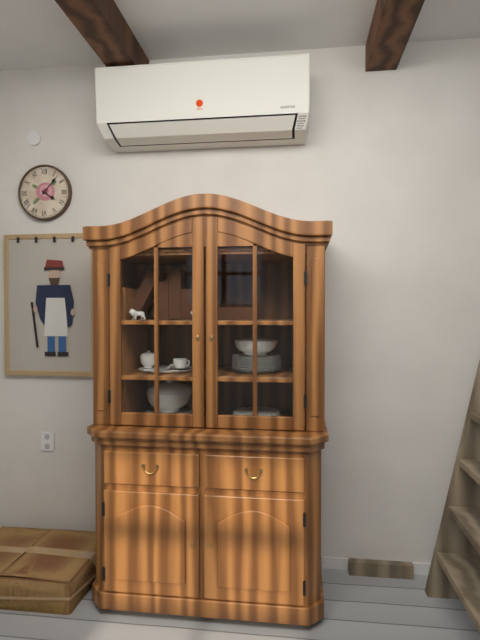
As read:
4.07
